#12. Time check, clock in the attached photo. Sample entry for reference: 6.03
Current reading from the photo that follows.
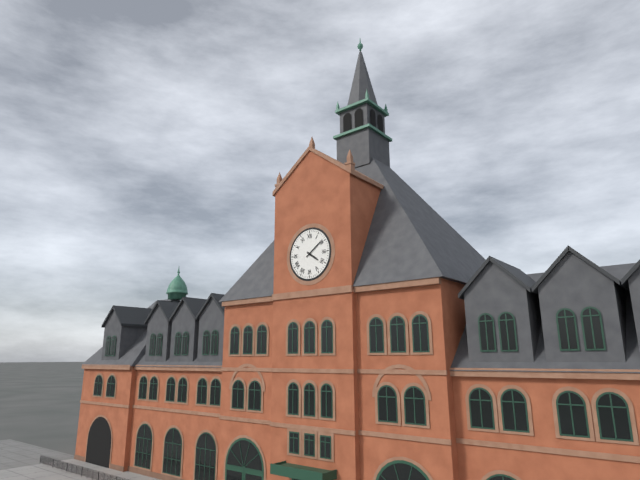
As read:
4.09
